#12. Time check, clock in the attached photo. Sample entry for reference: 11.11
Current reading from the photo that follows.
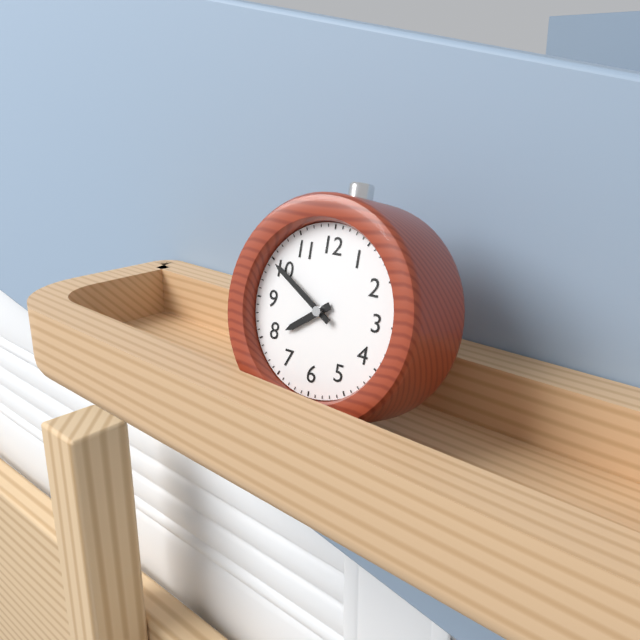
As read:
7.50
